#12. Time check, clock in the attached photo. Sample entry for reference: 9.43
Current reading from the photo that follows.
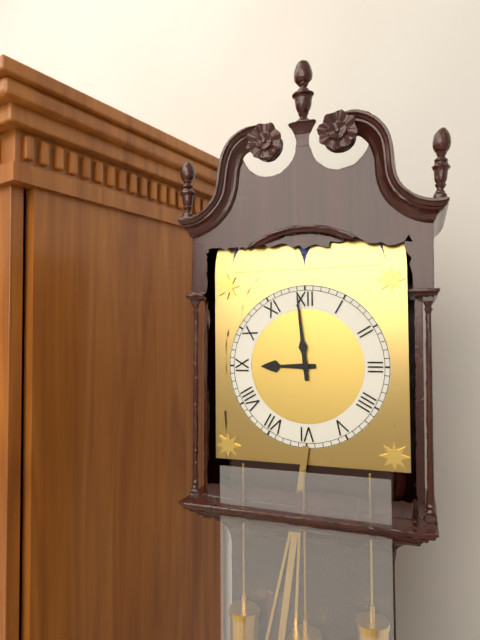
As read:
8.59
